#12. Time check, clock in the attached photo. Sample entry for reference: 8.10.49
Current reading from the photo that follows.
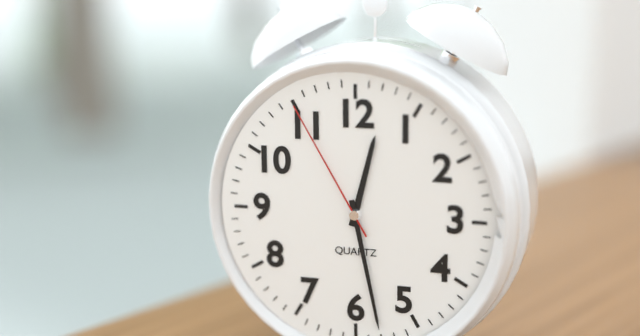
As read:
12.28.55
